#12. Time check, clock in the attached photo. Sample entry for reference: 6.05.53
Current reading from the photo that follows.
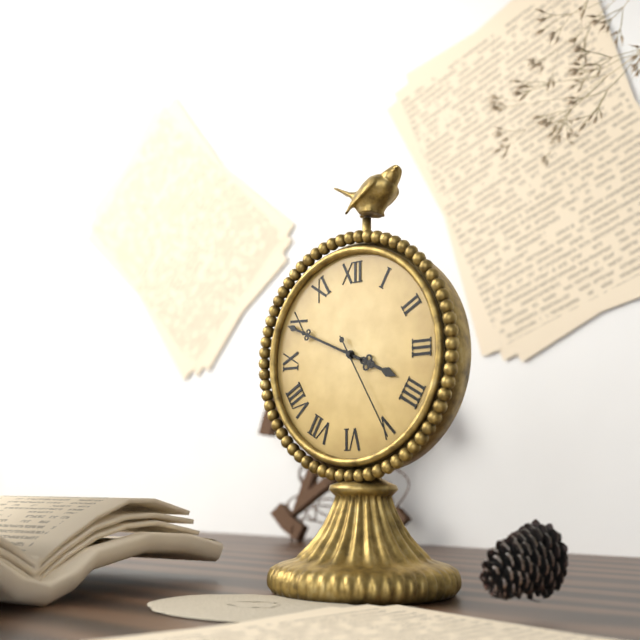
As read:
3.49.25
